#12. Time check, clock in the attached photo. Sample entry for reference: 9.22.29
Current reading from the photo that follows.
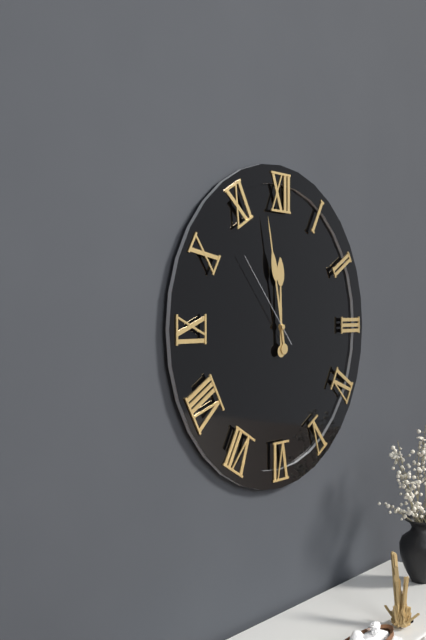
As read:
11.58.53
